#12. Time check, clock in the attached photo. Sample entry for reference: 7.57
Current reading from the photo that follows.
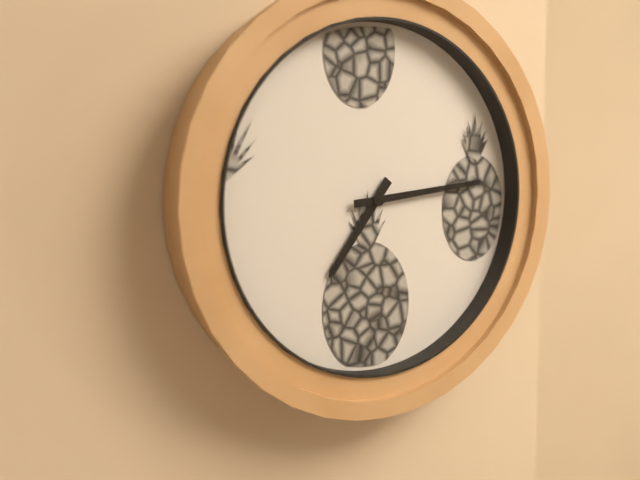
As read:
7.14
